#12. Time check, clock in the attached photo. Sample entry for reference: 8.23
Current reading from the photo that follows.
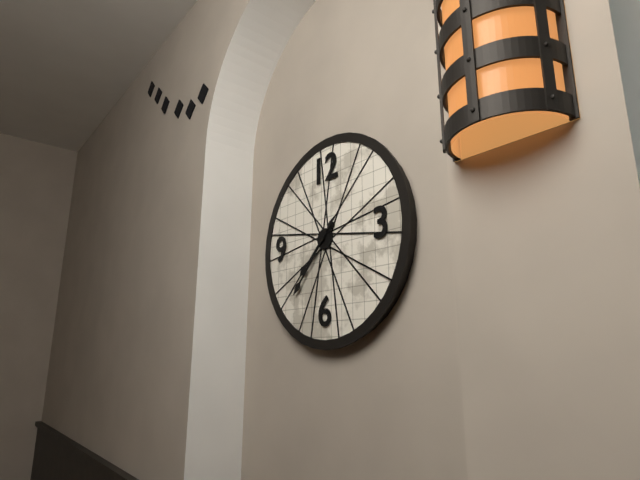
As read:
7.37
